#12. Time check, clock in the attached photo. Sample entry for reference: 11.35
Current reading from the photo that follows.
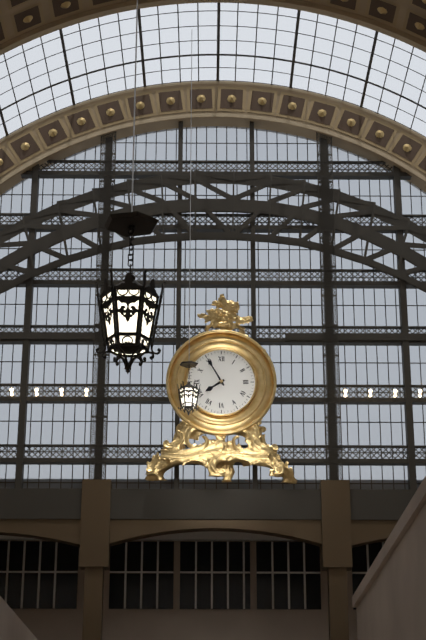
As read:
7.55
